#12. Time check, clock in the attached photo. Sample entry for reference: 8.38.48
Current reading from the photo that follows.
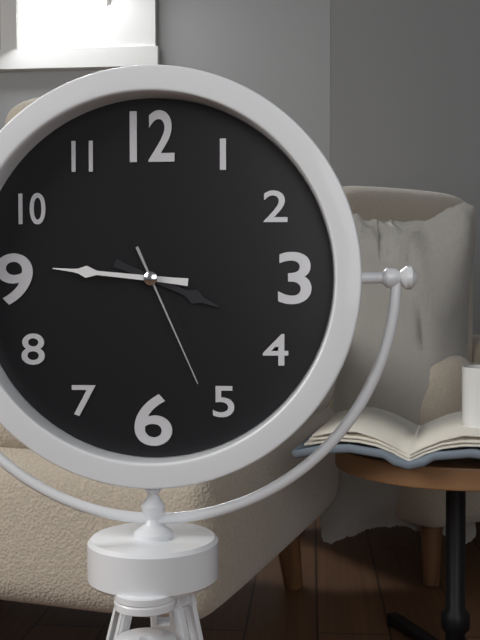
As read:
3.46.26
